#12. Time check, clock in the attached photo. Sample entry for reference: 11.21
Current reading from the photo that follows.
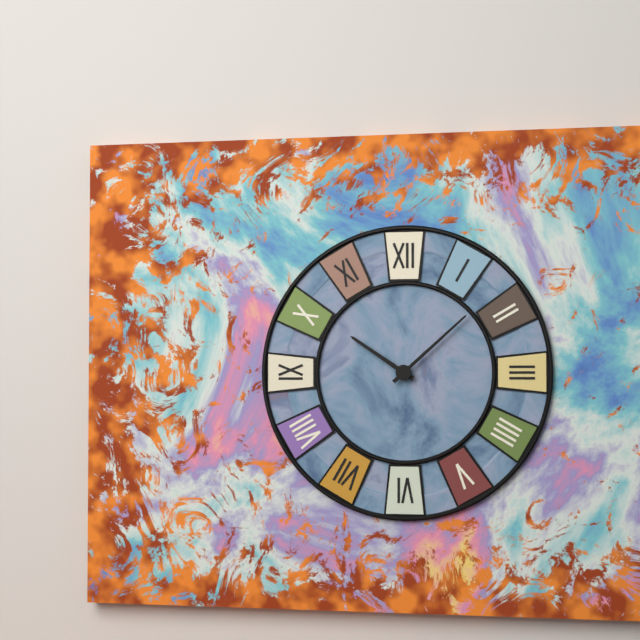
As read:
10.08
